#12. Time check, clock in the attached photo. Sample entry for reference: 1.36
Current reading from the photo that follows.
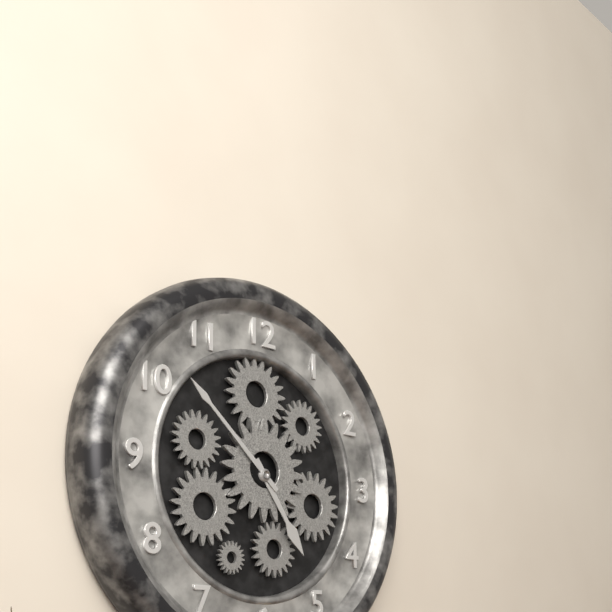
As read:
4.52
